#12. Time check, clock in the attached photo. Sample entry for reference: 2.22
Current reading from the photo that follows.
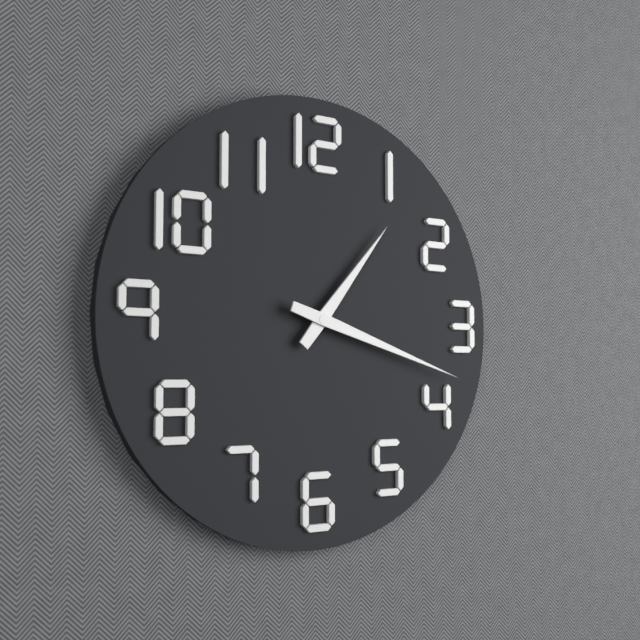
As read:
1.18
